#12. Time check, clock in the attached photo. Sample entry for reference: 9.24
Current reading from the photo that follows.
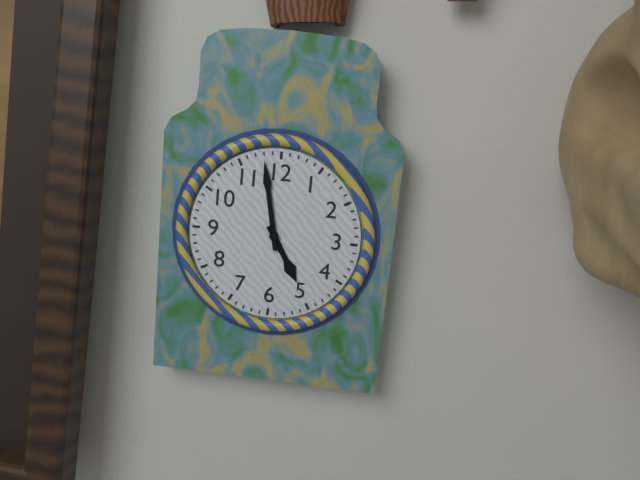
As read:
4.58
